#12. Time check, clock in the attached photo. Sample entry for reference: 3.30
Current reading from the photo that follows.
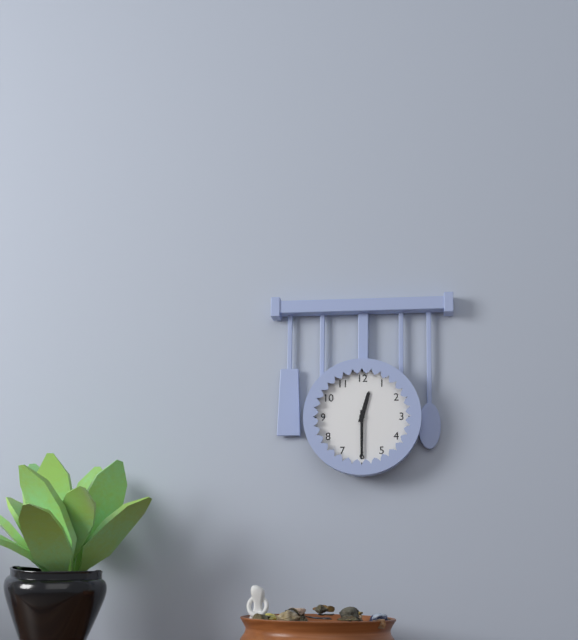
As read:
12.30
